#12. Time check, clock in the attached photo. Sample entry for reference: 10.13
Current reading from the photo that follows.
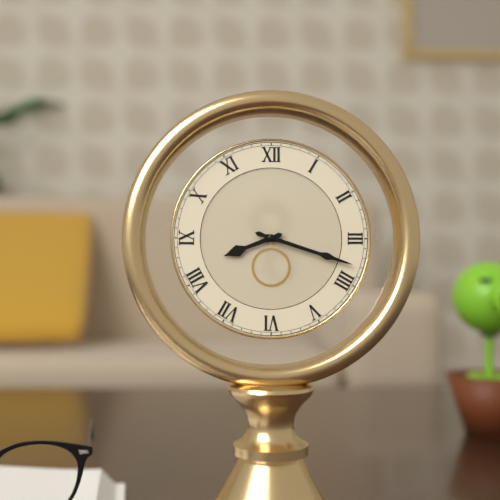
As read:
8.18
